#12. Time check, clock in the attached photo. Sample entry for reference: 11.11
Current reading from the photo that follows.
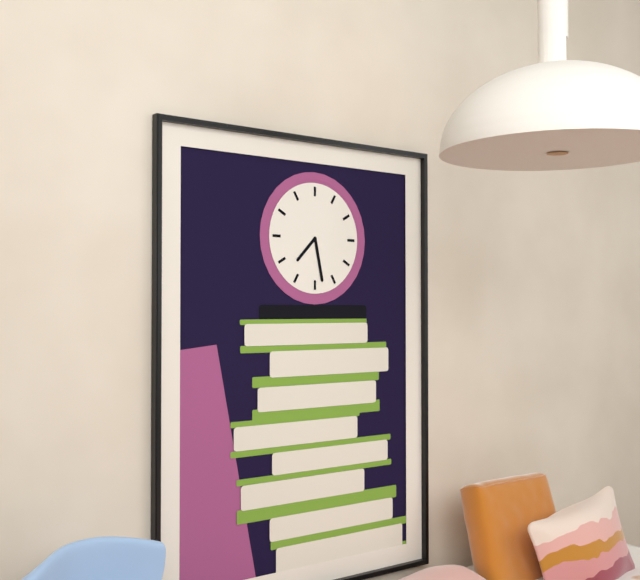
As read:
7.28
